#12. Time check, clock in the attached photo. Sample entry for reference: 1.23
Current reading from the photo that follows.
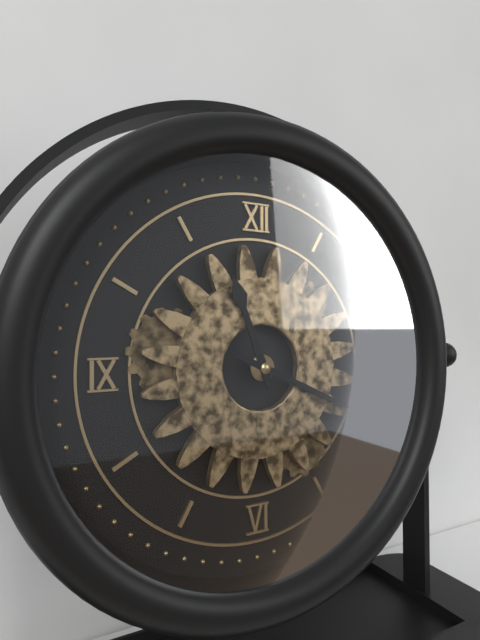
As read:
11.19
